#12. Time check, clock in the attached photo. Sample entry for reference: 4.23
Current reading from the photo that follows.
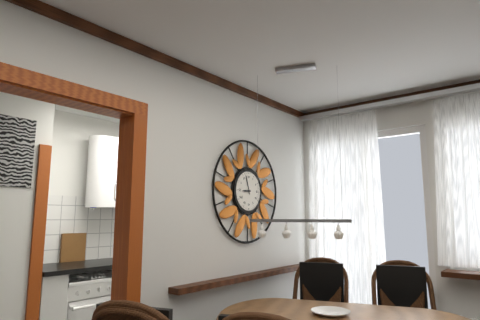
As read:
8.57
